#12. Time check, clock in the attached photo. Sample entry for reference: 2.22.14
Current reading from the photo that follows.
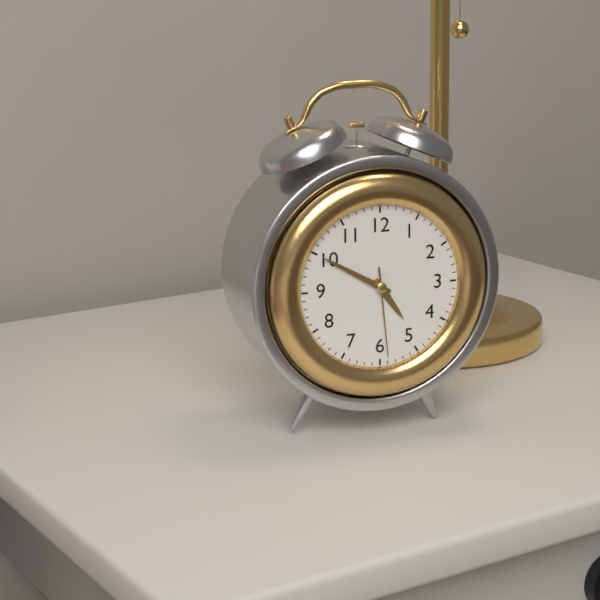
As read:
4.50.29
